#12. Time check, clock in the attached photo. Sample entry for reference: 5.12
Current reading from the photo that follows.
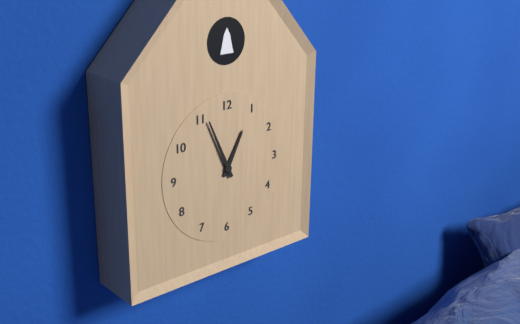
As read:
12.56
